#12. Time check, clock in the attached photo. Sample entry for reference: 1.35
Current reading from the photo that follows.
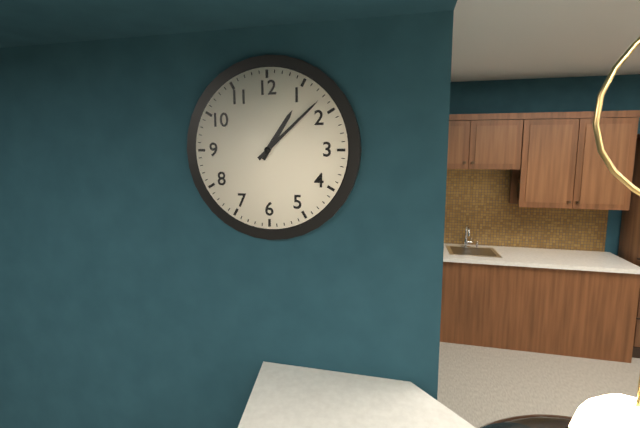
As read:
1.08
